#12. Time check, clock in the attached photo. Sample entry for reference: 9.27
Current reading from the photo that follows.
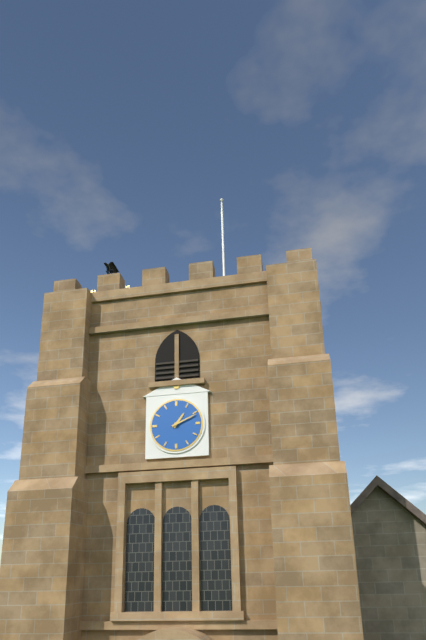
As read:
1.11
